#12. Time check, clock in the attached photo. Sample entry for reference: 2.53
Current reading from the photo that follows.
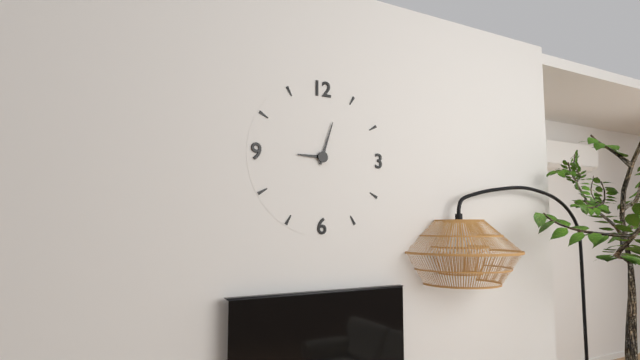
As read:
9.03
